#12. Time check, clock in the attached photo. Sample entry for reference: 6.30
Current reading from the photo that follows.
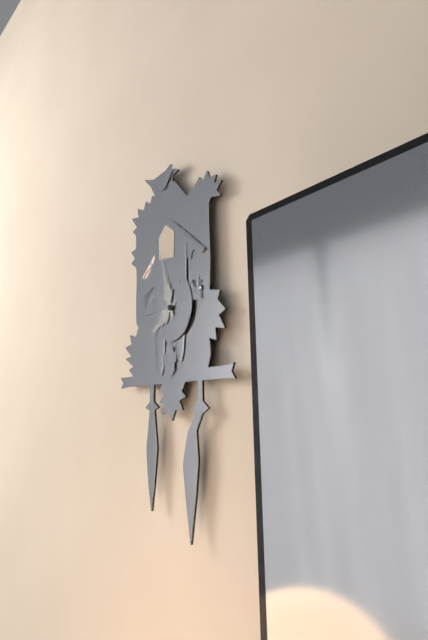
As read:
7.57
